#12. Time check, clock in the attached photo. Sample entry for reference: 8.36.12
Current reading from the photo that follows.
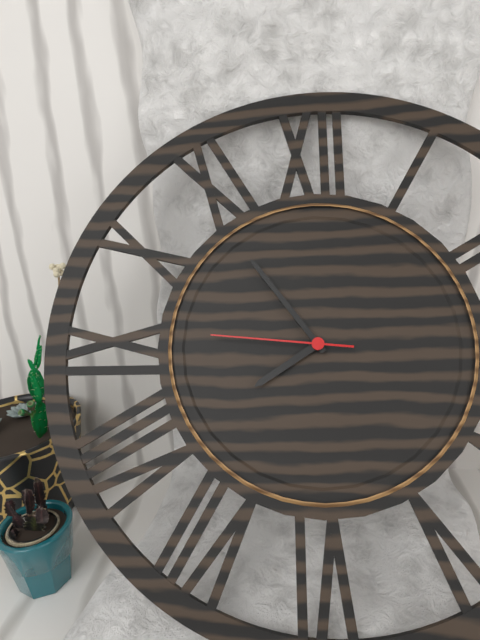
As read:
7.54.46
